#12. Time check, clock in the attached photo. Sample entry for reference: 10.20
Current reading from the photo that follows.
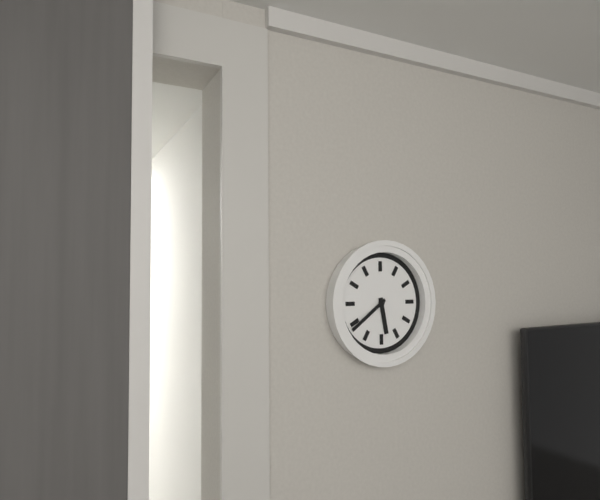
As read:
5.39
